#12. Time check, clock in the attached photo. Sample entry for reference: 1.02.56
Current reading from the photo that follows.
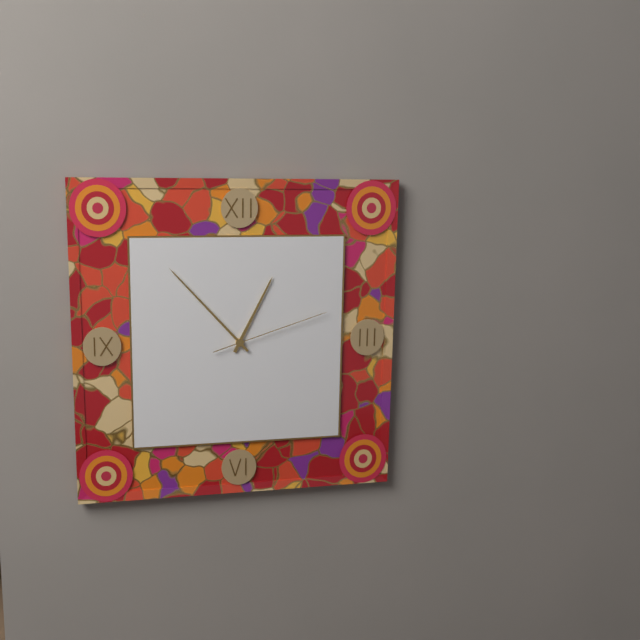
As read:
12.53.12
